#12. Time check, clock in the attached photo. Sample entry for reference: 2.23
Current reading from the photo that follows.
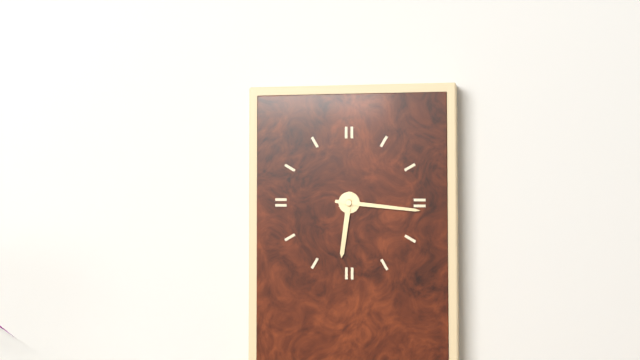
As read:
6.16
